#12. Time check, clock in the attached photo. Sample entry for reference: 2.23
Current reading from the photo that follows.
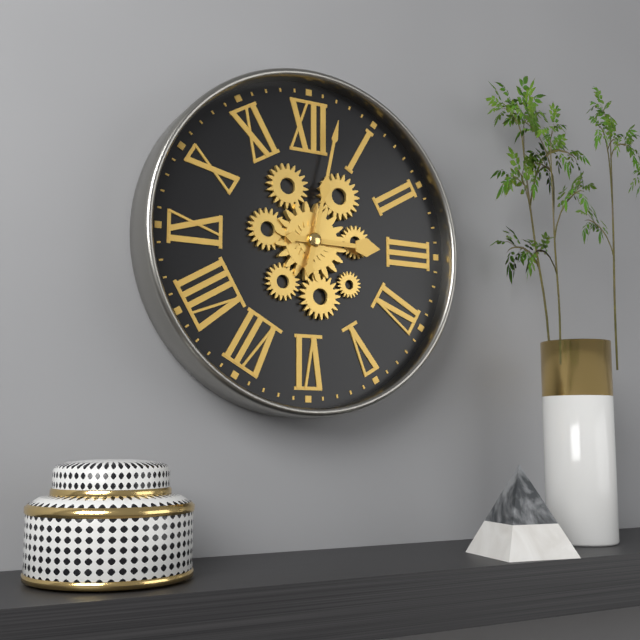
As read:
3.02
